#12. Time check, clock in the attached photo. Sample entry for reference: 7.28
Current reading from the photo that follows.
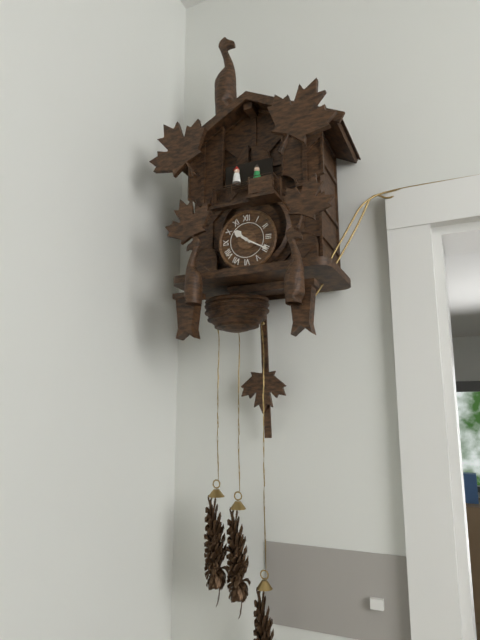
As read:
10.20
